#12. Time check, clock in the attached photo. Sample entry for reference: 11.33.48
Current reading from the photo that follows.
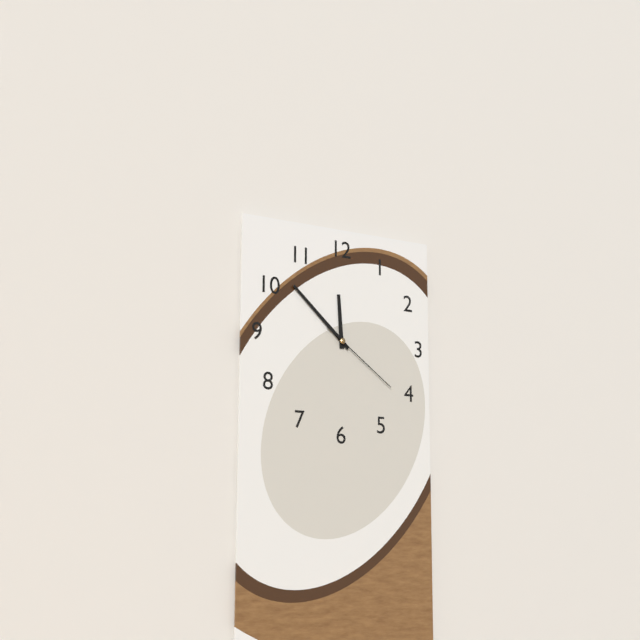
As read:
11.52.21
